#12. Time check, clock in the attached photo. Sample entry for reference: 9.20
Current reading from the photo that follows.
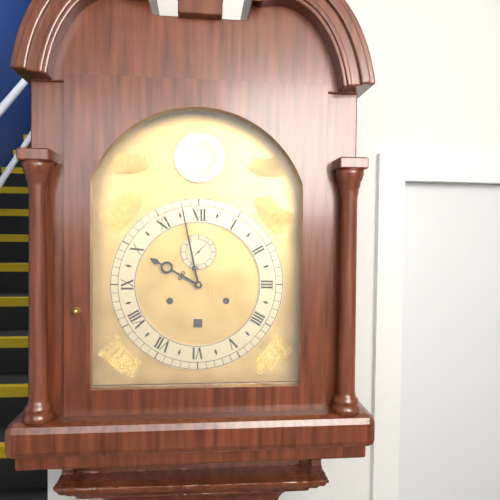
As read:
9.58
